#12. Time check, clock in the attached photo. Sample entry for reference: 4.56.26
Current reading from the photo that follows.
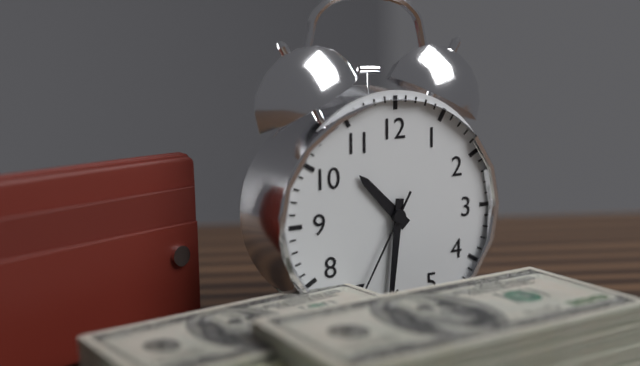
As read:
10.31.35
